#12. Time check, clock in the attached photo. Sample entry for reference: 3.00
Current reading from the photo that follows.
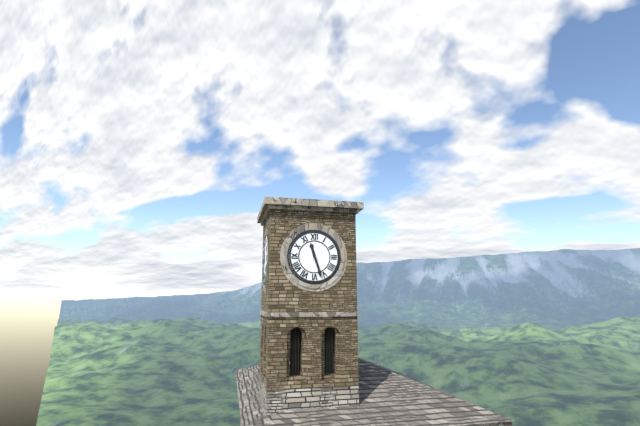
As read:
11.27
